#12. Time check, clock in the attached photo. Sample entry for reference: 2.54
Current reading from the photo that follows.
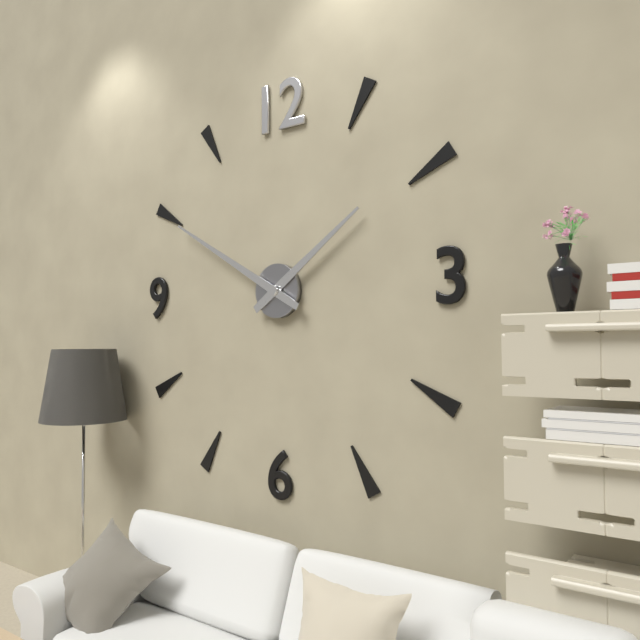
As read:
1.50
